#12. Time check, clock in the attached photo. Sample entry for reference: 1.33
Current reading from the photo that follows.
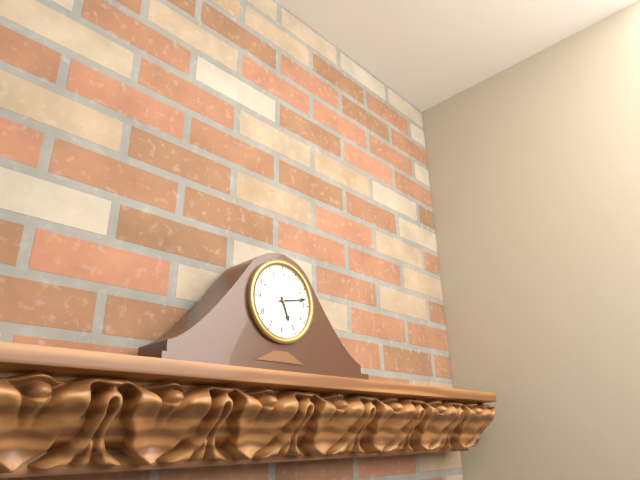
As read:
5.13
